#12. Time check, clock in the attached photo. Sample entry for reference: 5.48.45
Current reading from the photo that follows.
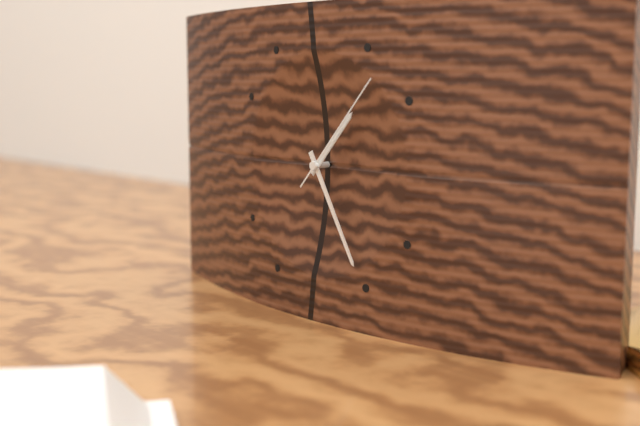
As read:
1.25.07
